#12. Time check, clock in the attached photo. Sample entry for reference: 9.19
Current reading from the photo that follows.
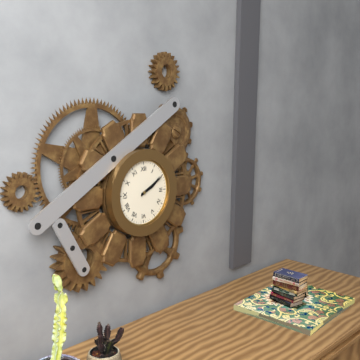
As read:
2.10
